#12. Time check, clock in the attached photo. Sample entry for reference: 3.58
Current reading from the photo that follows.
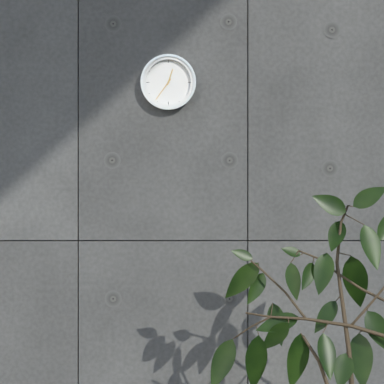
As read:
12.36
